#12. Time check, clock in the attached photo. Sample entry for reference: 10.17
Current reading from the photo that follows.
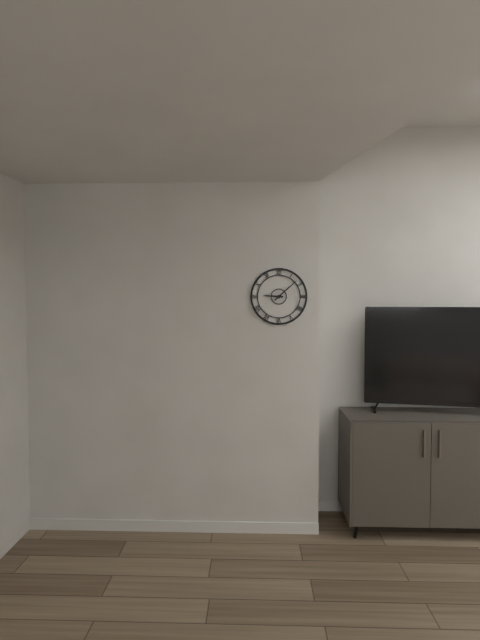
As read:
9.08
